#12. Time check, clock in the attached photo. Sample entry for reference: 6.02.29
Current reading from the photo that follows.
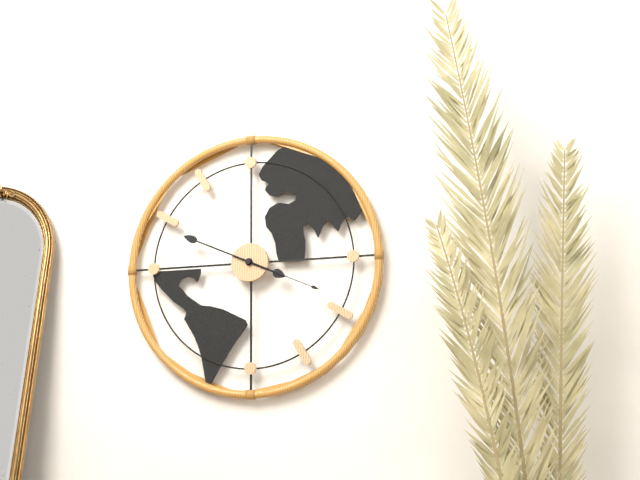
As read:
3.49.19
